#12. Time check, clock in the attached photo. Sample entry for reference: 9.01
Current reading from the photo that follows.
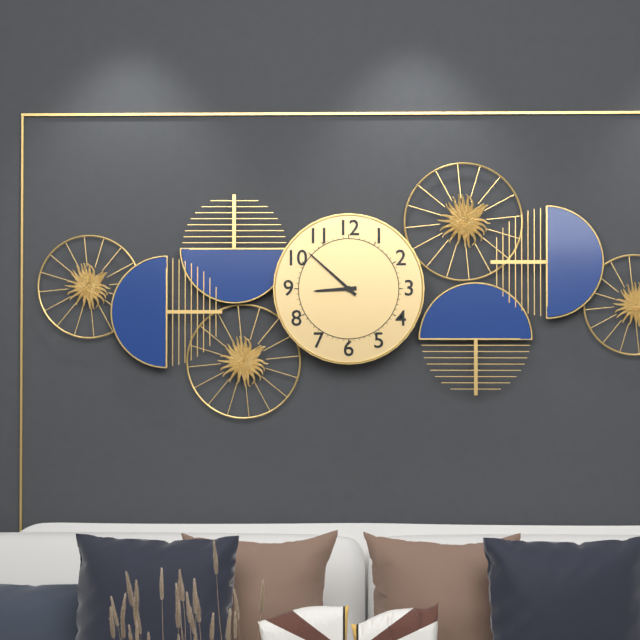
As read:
8.52
